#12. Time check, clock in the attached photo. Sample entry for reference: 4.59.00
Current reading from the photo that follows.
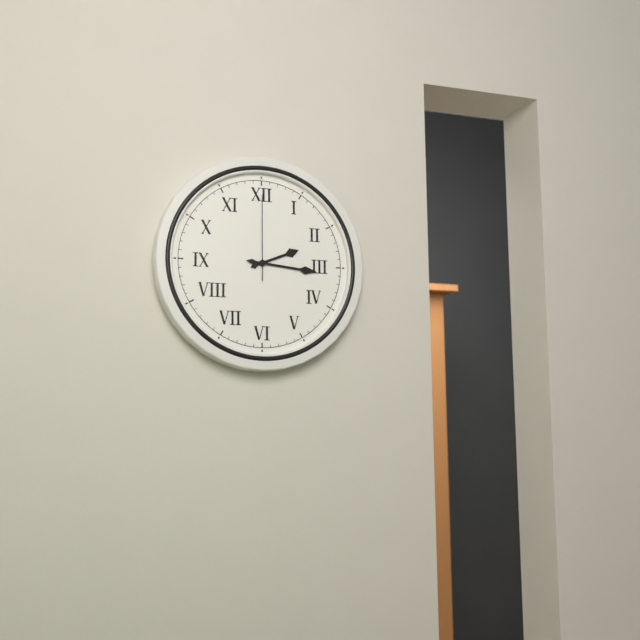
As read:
2.16.00
